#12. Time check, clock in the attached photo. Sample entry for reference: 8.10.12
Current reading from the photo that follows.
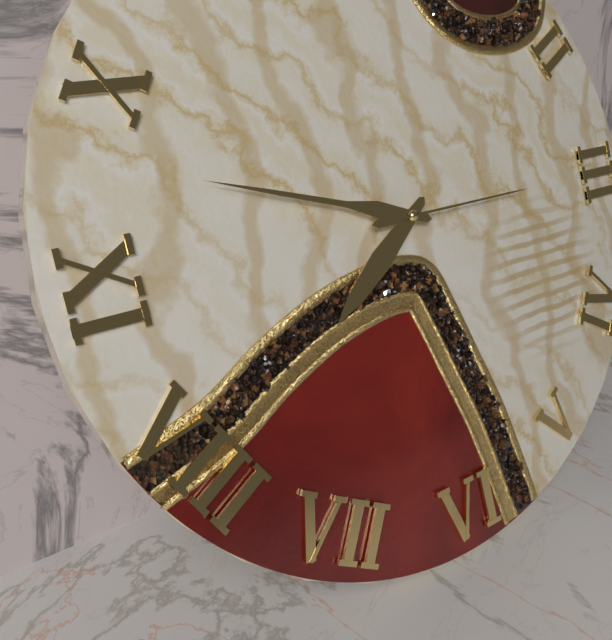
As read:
7.48.15
